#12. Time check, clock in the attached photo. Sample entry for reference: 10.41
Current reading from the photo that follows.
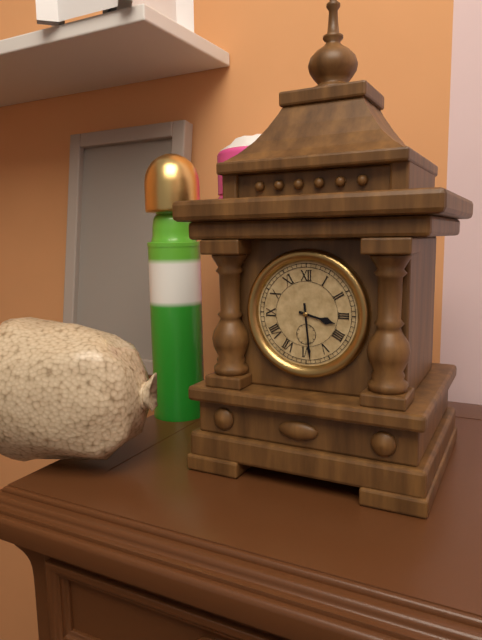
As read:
3.29
